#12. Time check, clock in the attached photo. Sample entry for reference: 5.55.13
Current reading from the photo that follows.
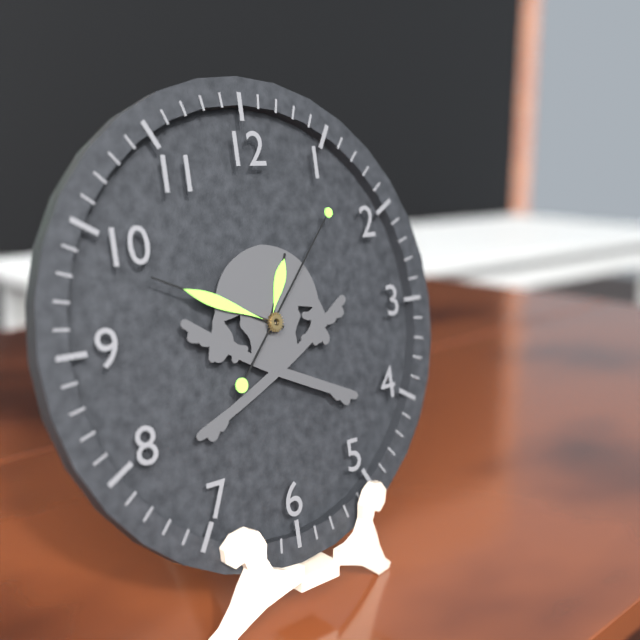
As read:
12.49.07
